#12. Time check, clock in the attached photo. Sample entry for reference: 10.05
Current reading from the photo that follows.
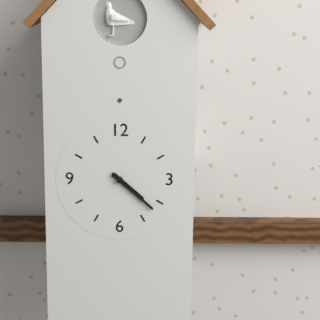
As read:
4.22
